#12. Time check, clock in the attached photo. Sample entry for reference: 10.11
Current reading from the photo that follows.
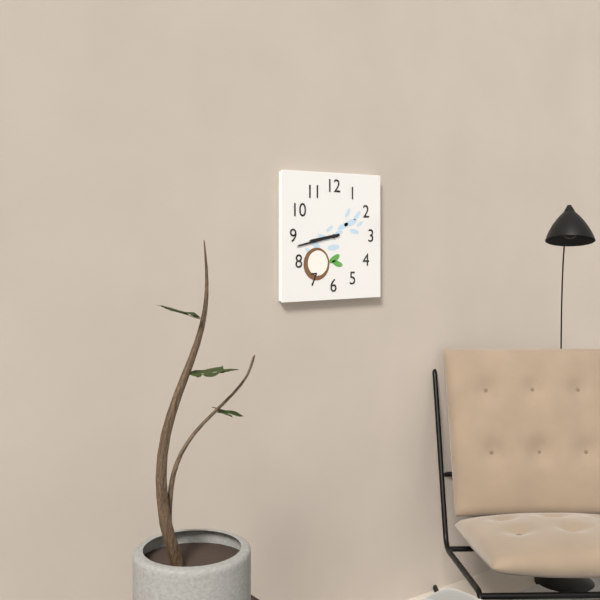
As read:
8.43
